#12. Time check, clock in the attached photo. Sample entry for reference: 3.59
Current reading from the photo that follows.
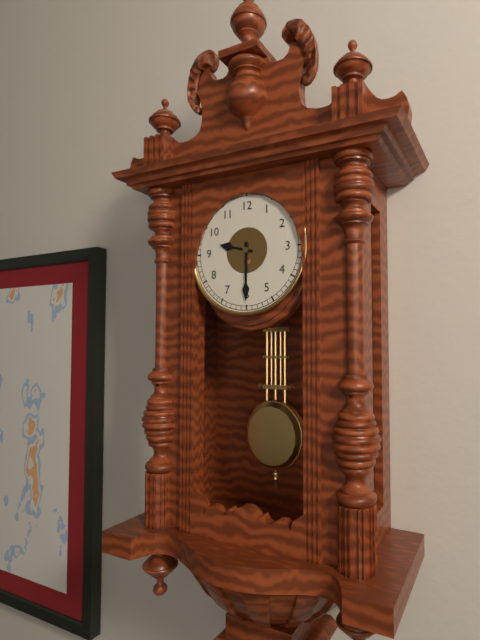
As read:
9.30
